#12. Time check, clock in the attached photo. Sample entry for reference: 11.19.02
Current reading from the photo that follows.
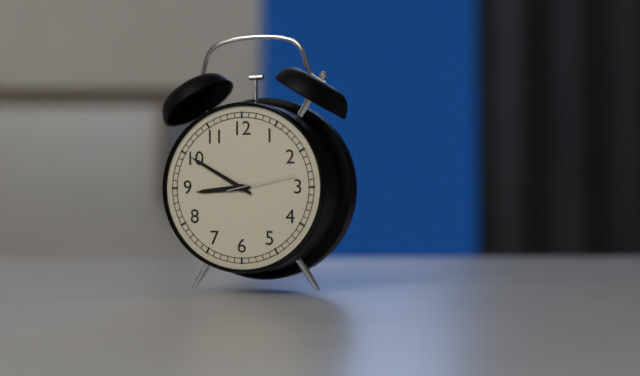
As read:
8.50.13
